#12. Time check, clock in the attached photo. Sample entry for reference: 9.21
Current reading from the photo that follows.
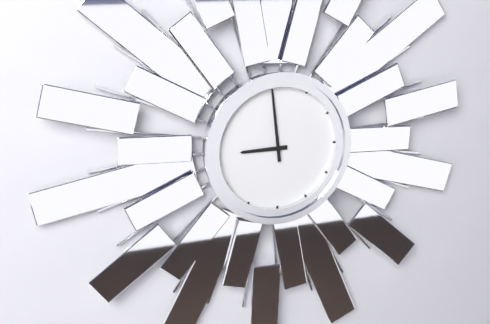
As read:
8.59
